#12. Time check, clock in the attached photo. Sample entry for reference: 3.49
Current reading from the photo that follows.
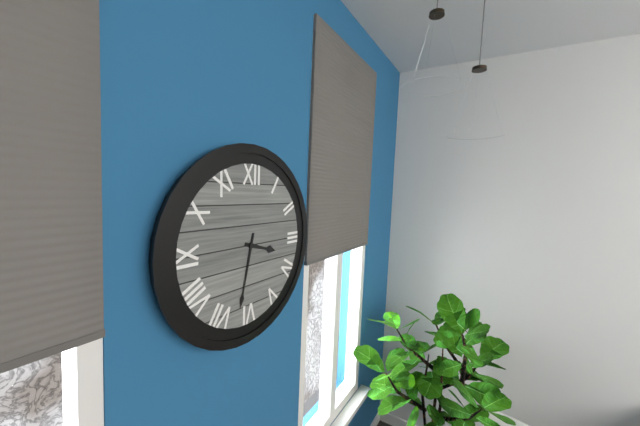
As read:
3.32
